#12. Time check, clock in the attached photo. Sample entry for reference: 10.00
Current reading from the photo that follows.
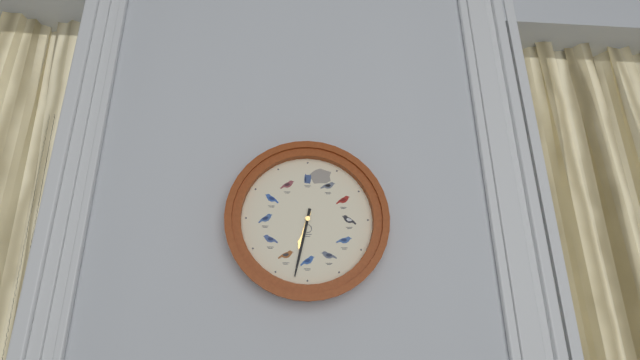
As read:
6.32
